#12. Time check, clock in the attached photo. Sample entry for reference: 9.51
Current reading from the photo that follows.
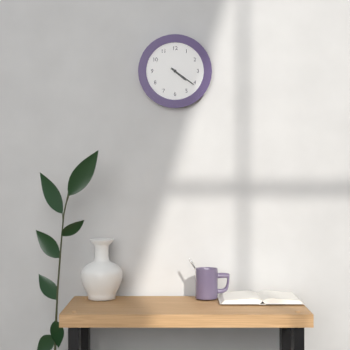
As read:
4.21
